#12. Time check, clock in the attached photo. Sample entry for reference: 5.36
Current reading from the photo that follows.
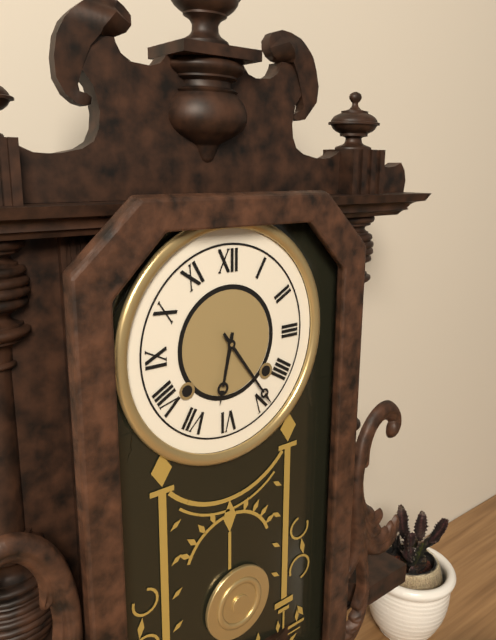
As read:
6.24
